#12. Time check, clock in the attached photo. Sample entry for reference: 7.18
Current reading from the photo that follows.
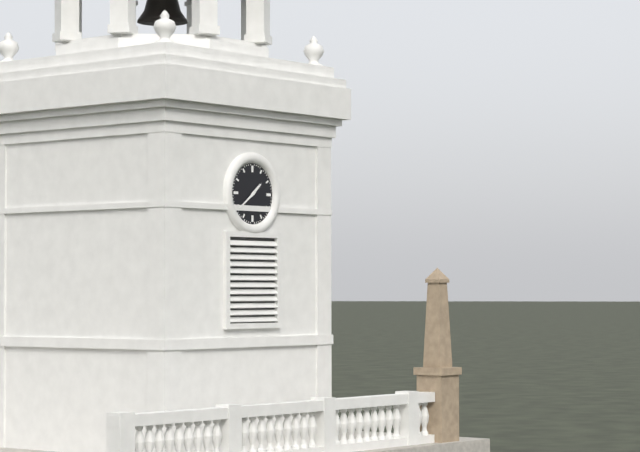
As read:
1.39
